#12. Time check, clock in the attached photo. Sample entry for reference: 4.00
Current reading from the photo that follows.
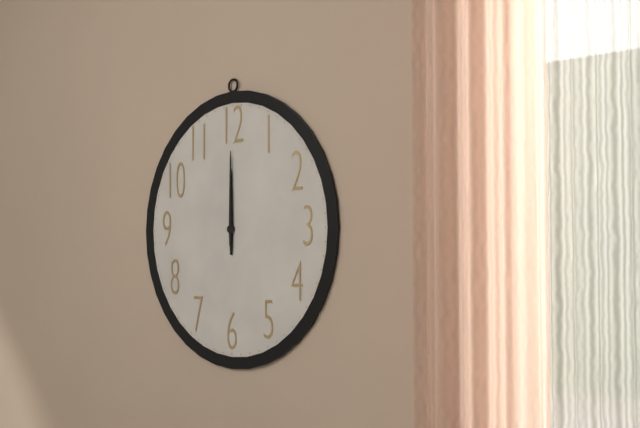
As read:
12.00
